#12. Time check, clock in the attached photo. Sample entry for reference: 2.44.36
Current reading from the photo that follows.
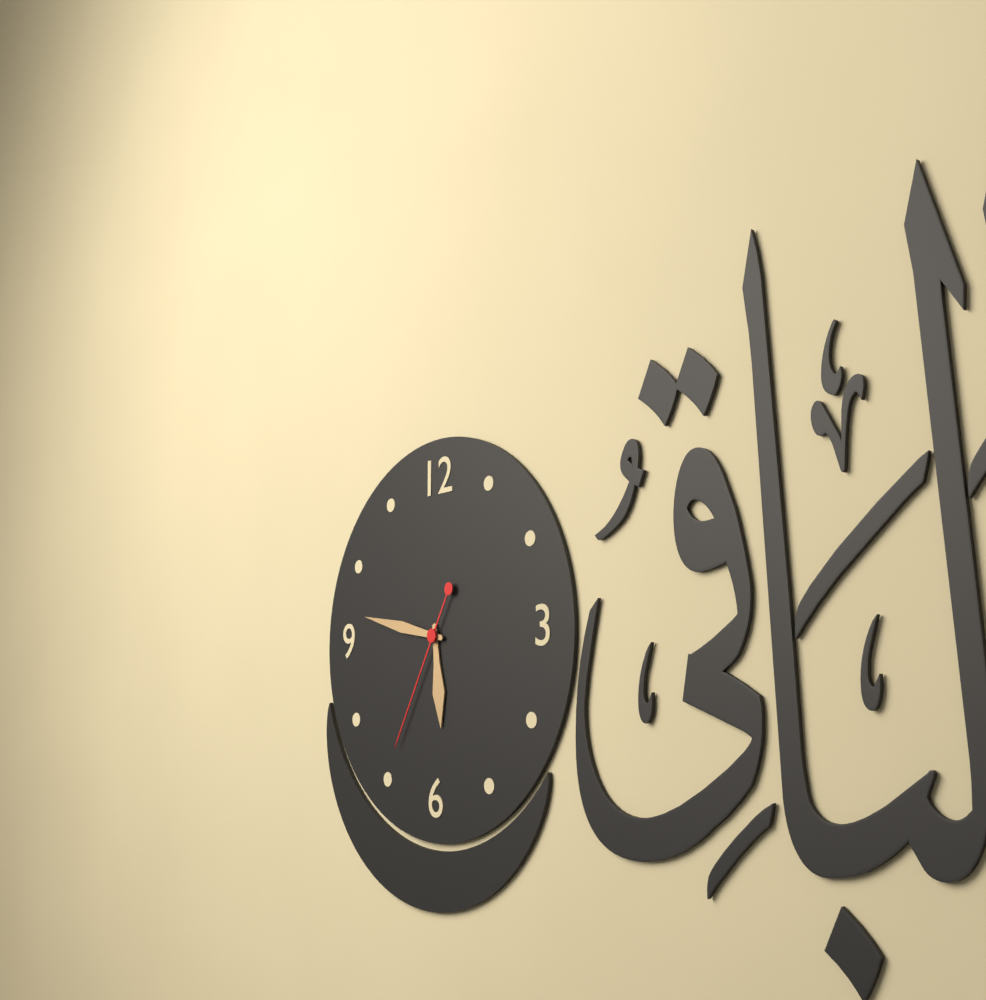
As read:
5.47.35
